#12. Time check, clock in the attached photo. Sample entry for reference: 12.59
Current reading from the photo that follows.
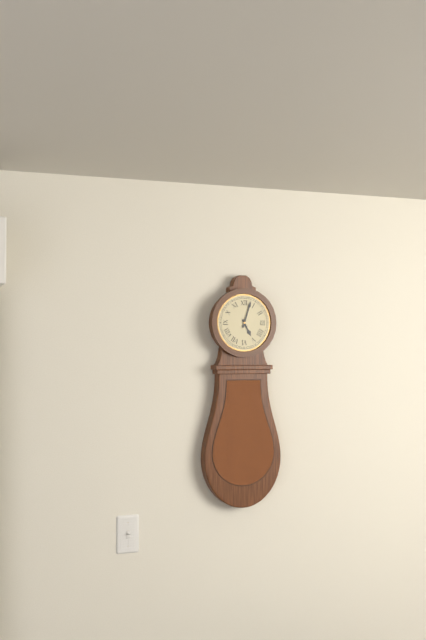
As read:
5.03
